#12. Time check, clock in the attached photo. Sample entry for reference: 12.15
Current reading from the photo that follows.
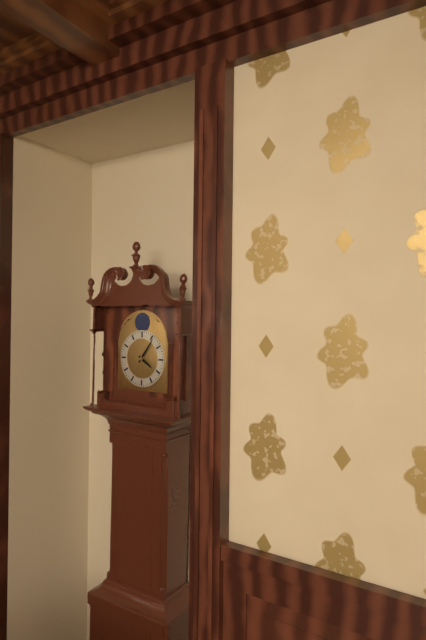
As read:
4.06
